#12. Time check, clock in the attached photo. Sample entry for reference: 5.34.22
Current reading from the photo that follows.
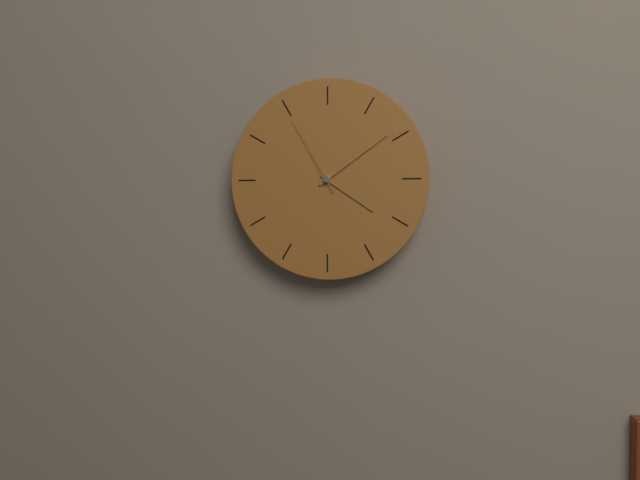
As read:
4.09.55
